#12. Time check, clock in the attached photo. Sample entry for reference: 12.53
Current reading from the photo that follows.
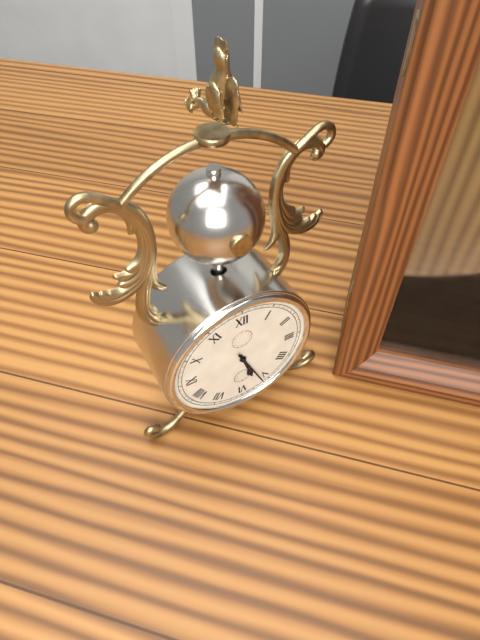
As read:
5.26
